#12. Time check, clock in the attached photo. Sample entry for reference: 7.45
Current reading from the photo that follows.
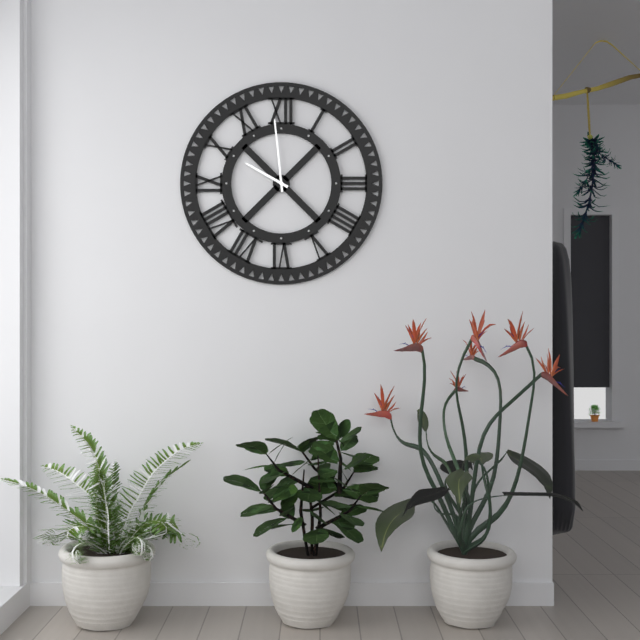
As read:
9.59
